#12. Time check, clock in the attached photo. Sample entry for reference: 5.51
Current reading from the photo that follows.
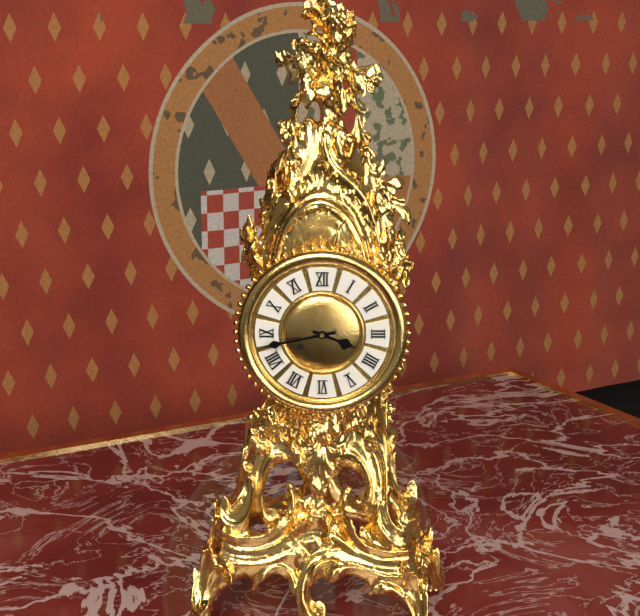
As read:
3.43
